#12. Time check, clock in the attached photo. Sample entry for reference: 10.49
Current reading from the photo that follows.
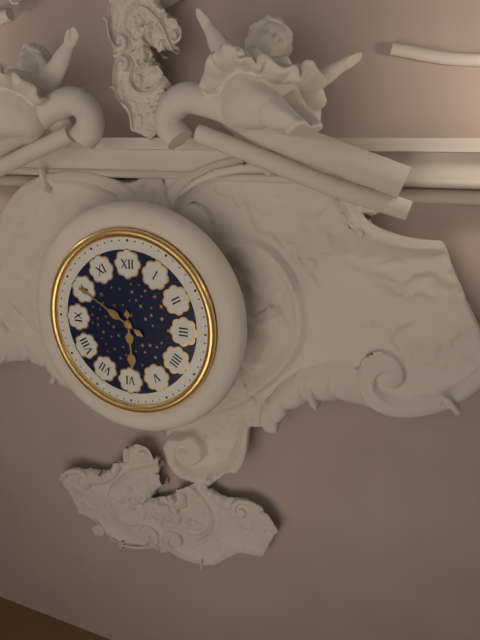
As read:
5.50
